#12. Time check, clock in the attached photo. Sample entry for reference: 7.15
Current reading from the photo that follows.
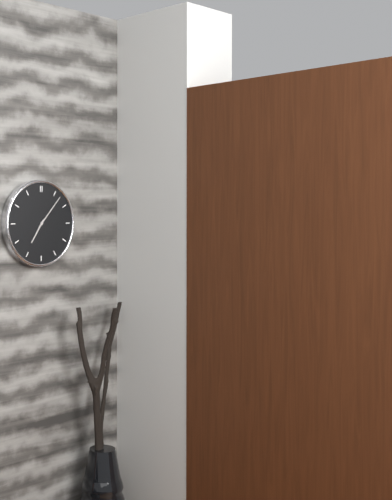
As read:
7.07
